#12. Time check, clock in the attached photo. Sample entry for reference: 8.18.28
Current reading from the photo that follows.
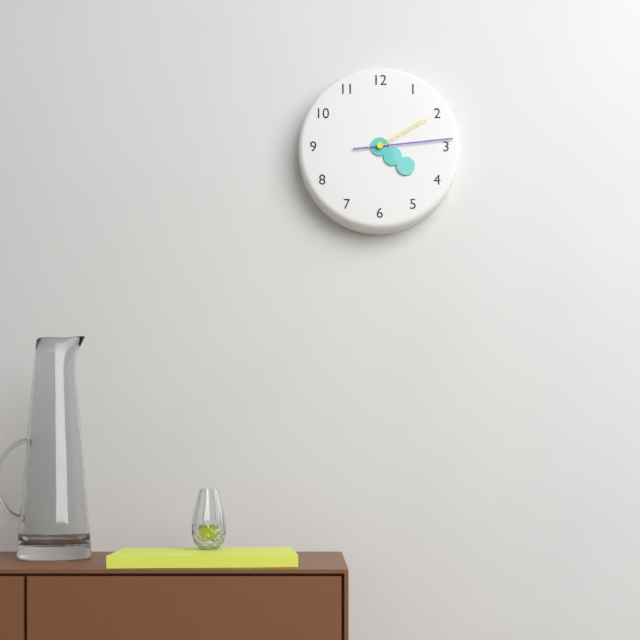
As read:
4.14.10
